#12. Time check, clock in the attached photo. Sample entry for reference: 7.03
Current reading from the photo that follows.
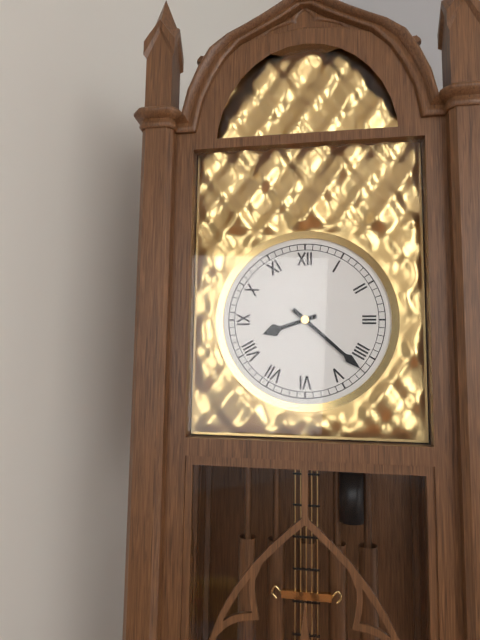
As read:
8.22
